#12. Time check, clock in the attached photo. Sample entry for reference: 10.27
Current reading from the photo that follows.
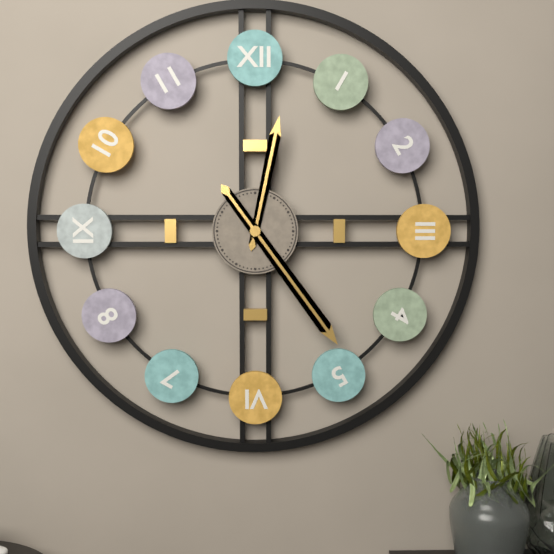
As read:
12.24
